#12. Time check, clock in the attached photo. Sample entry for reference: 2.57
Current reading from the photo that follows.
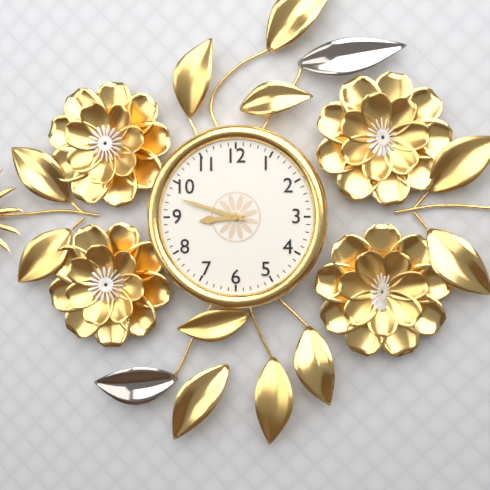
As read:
8.48
